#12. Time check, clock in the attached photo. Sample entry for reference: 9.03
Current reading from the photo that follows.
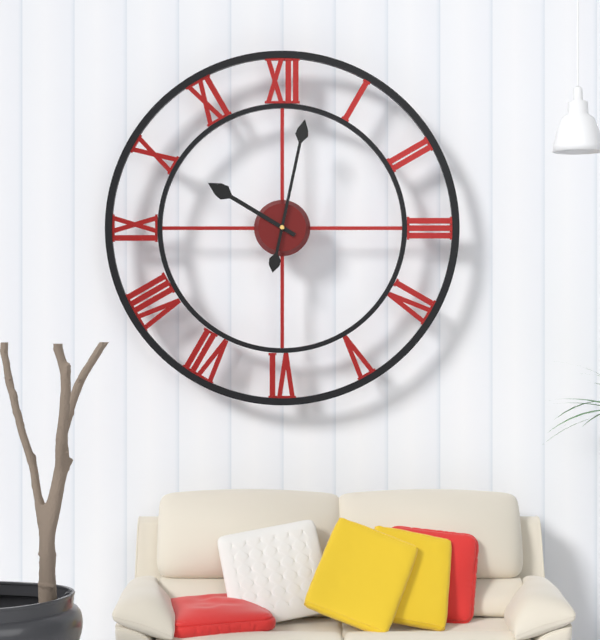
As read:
10.02
